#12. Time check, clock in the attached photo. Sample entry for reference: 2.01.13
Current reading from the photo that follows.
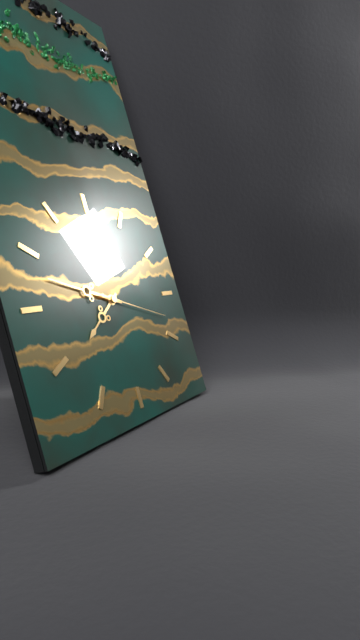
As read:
7.48.18
